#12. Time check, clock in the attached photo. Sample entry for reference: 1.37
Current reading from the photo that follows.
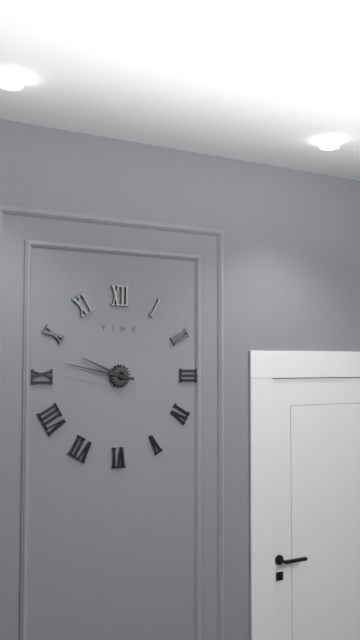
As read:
9.47
